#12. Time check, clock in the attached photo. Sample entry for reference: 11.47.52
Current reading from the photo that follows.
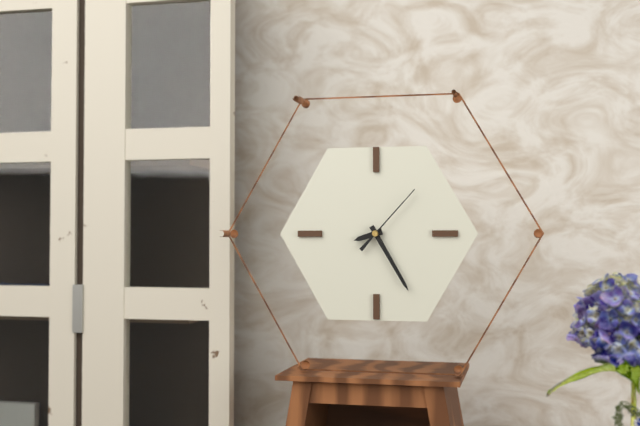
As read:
8.25.07
